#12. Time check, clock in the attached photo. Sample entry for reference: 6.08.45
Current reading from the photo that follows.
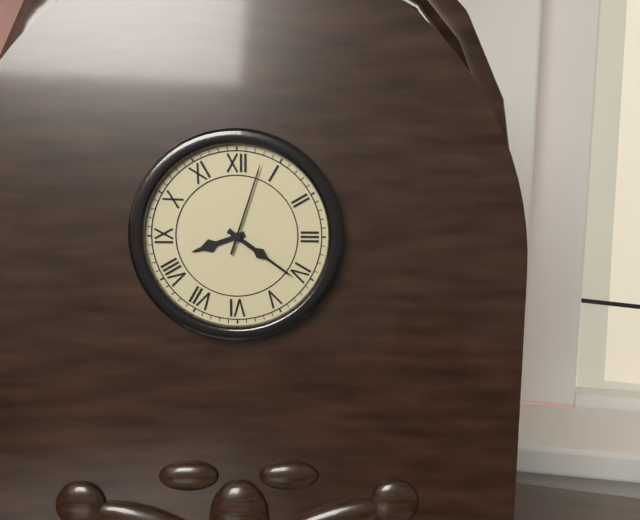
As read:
8.21.03
